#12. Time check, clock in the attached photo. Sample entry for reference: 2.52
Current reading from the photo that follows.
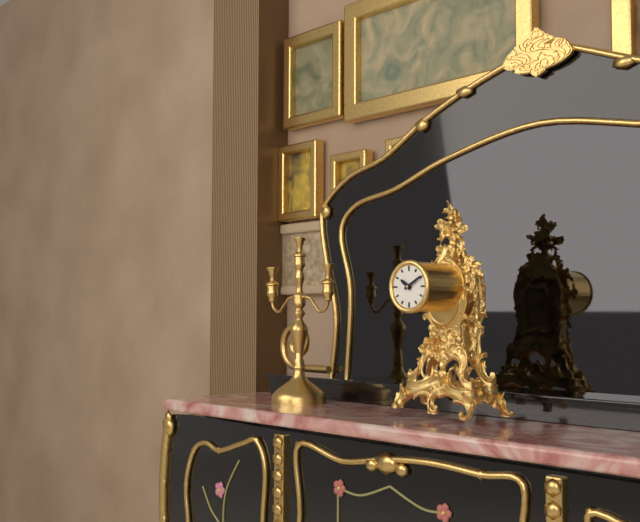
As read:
10.10
